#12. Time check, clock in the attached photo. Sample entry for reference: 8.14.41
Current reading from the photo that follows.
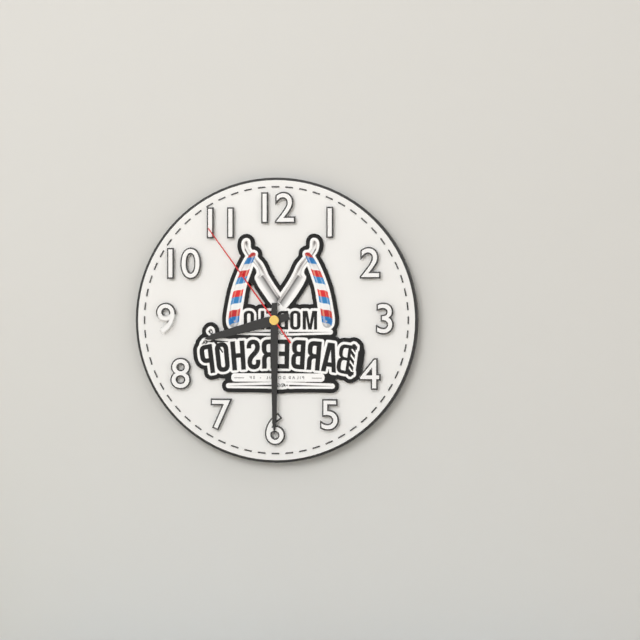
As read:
8.30.54
